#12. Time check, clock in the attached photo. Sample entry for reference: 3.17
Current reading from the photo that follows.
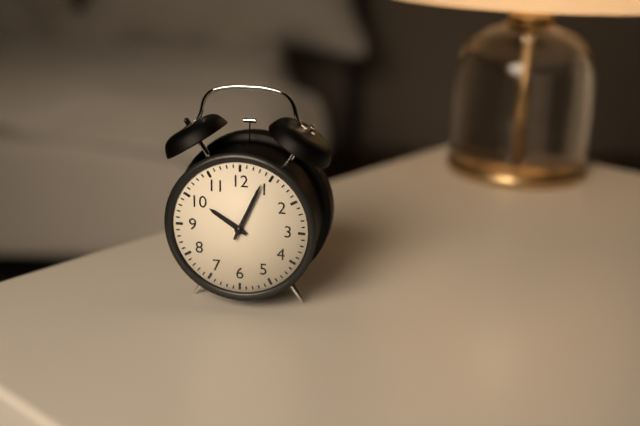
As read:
10.04
